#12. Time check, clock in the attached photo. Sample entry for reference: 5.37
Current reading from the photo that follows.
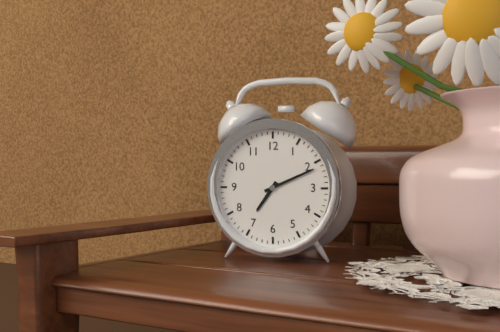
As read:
7.11
